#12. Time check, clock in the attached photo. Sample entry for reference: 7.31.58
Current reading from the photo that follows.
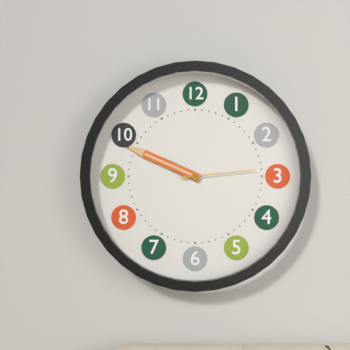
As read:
9.49.14
